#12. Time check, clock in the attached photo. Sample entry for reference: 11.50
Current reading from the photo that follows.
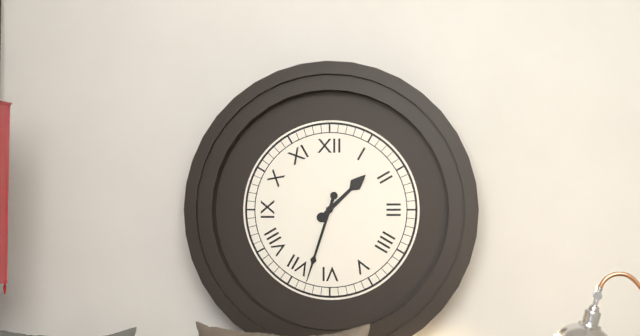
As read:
1.33
